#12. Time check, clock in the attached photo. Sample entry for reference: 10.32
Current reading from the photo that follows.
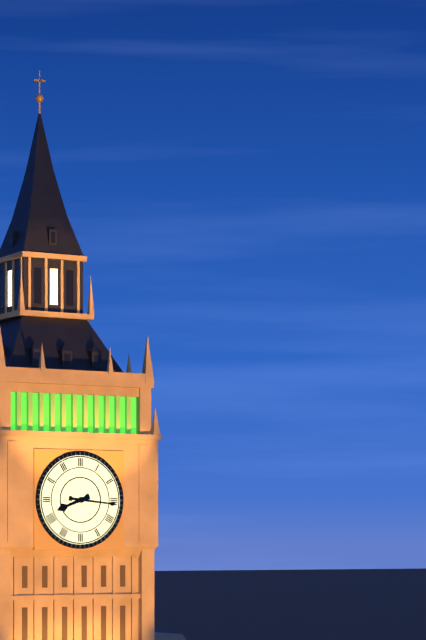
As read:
8.16
